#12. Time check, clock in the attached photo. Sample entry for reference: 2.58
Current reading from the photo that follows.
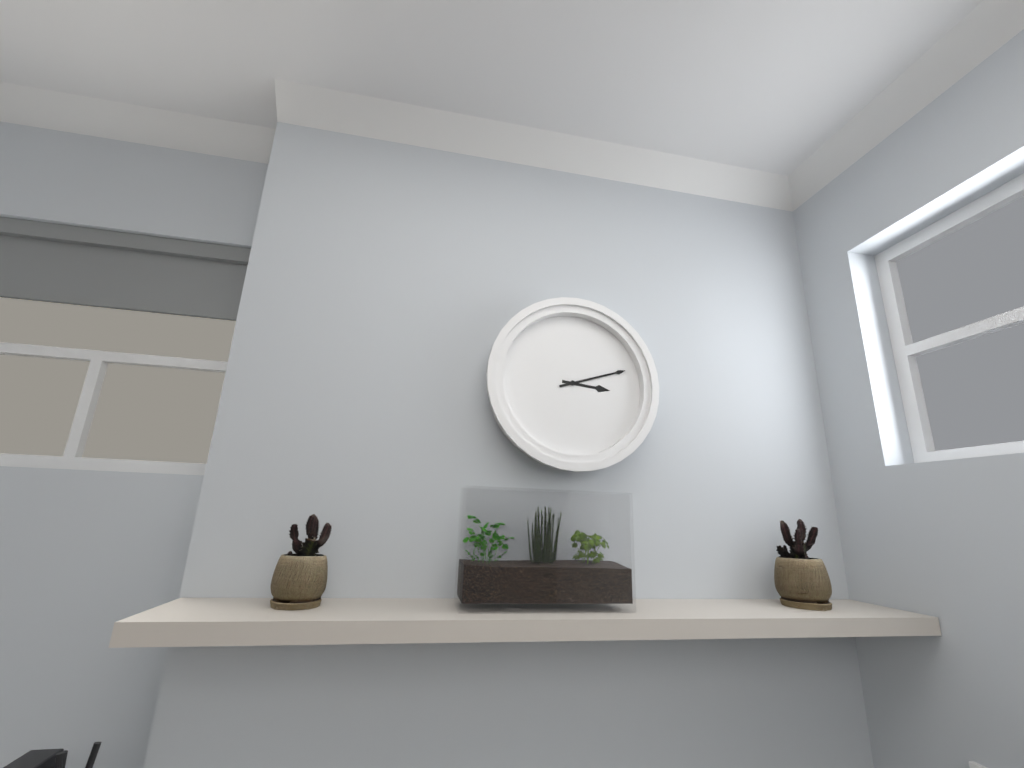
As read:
3.12
